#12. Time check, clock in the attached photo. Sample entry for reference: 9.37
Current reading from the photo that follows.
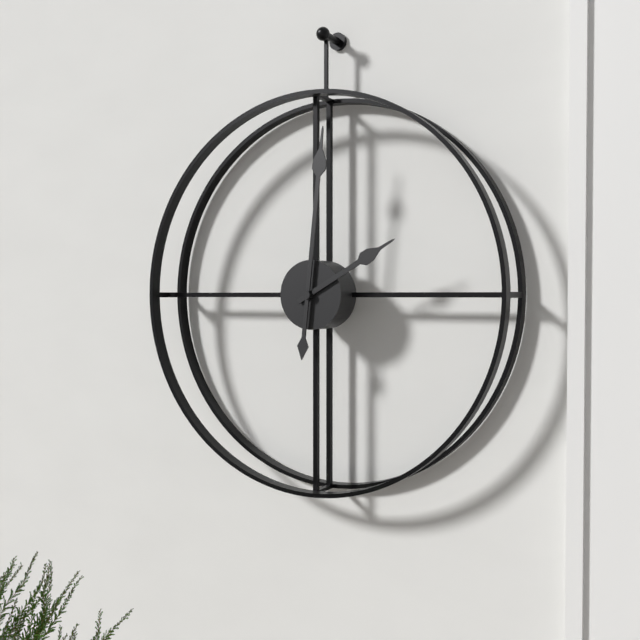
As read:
2.01
